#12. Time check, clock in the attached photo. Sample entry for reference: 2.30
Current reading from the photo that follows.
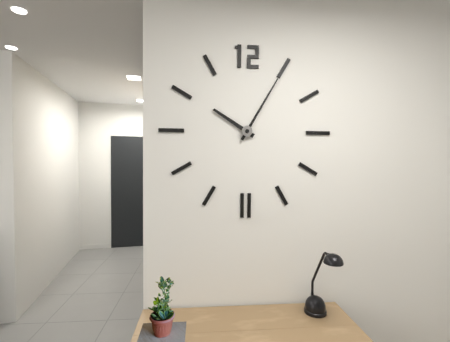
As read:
10.05
